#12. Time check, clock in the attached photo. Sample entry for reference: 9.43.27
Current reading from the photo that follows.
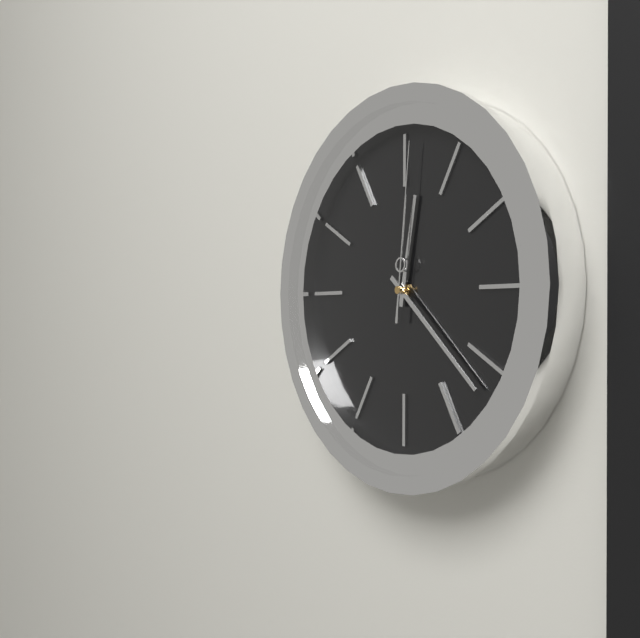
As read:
12.22.01
